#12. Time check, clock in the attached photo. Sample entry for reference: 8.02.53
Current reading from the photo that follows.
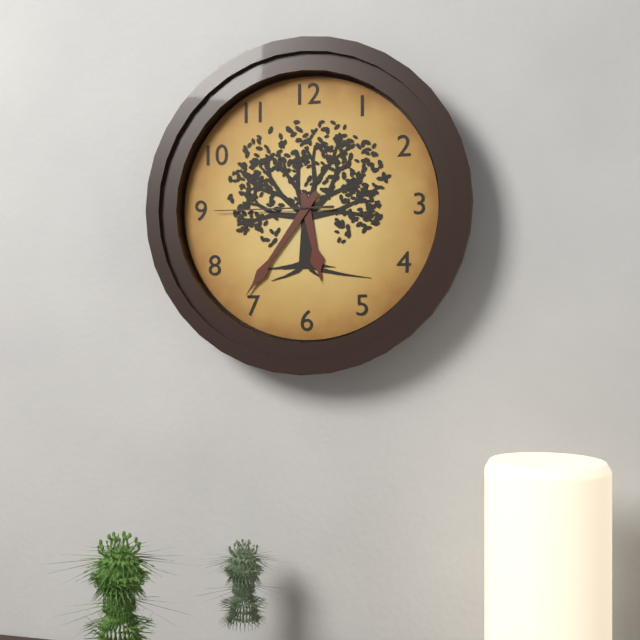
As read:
5.36.45
